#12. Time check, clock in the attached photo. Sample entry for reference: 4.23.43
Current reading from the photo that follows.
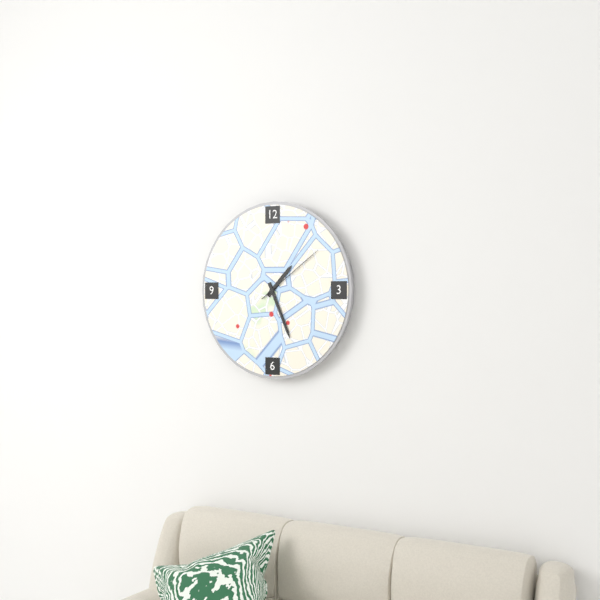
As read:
1.26.09
